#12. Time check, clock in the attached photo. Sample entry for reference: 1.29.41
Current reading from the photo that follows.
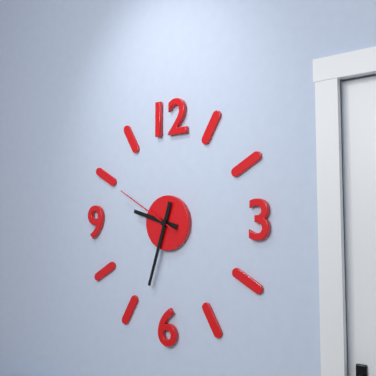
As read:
9.33.50
